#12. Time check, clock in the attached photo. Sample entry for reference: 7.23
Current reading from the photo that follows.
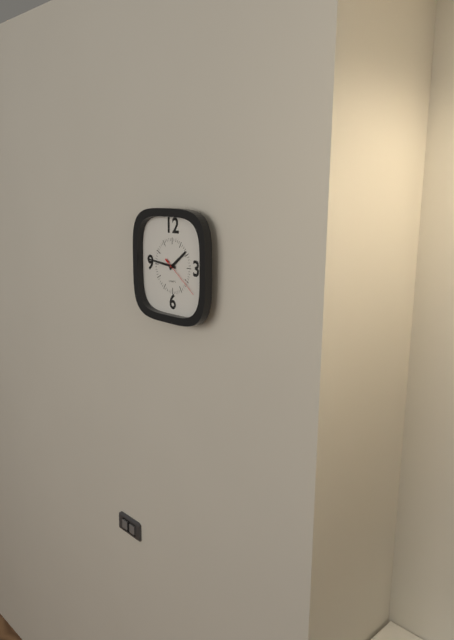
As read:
1.46
